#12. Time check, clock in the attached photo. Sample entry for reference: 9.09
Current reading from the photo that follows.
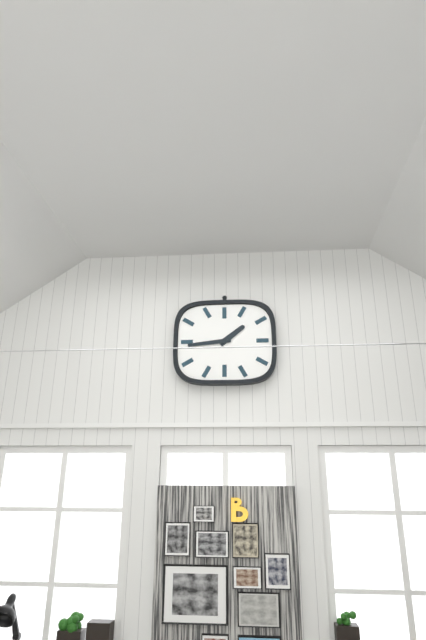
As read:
1.44
